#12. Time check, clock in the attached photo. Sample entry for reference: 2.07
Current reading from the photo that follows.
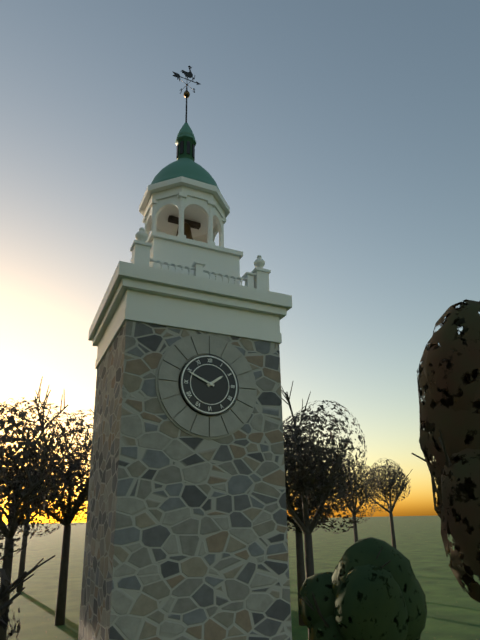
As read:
1.49
